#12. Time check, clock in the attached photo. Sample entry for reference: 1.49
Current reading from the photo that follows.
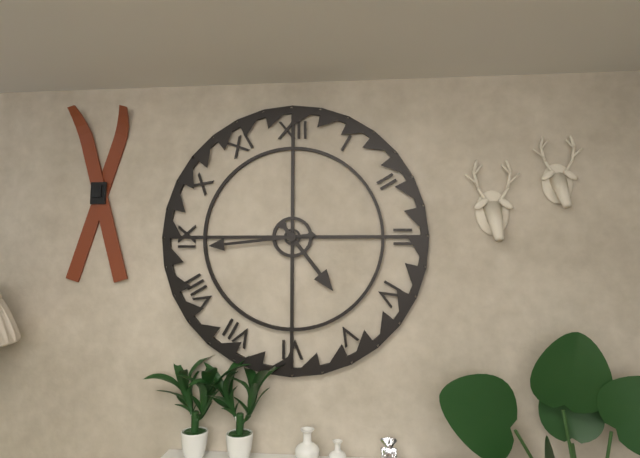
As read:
4.44
